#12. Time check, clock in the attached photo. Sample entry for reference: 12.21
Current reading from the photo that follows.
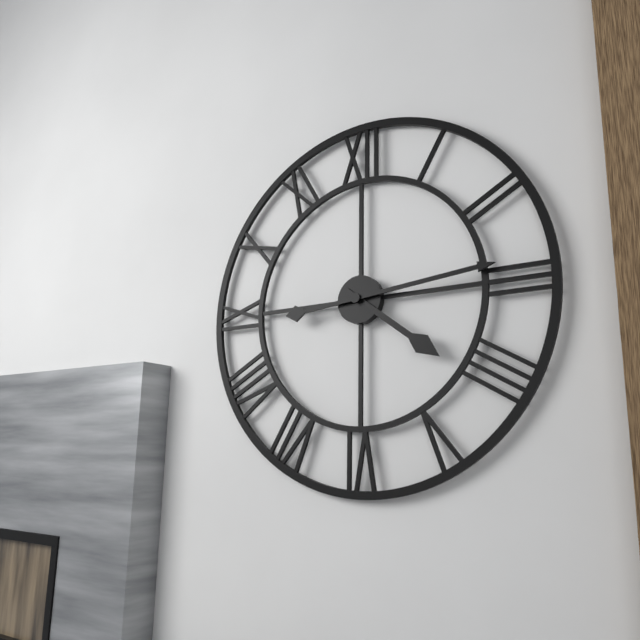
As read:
4.14
